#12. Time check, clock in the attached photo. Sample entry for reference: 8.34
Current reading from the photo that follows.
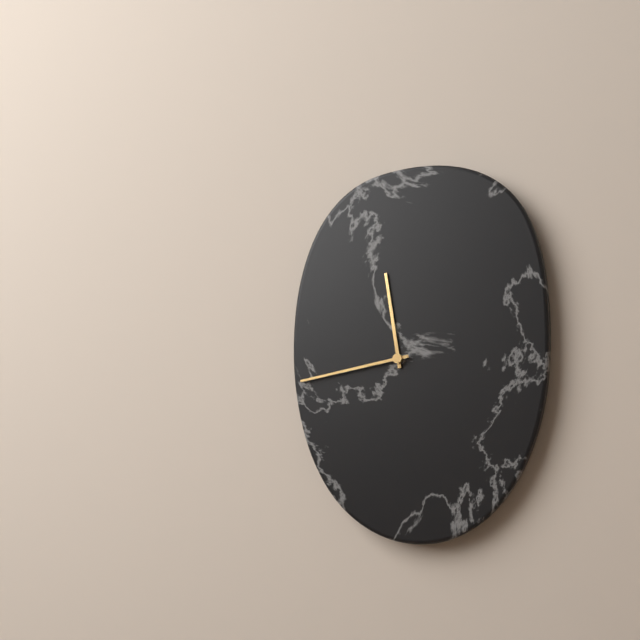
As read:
11.43
